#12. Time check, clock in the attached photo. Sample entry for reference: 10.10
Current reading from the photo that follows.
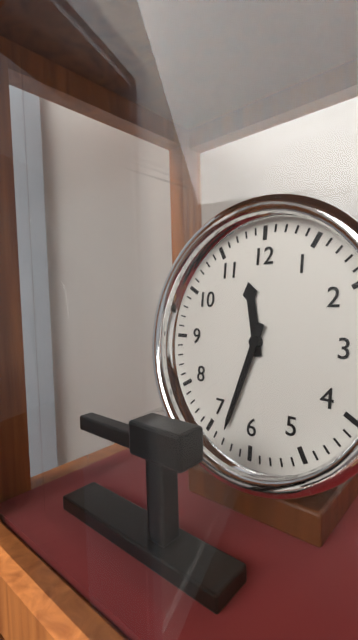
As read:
11.33
